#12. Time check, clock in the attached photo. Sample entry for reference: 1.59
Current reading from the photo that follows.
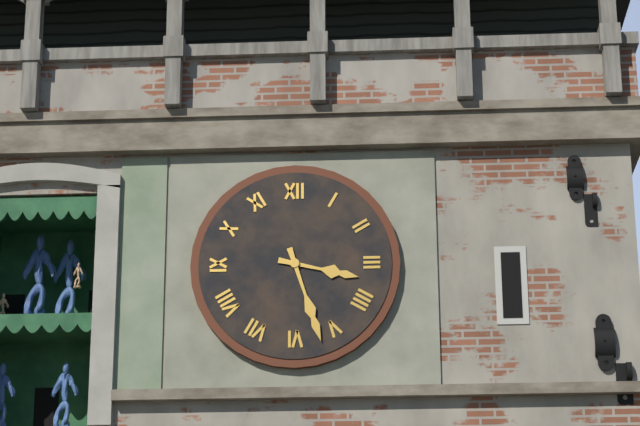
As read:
3.27
